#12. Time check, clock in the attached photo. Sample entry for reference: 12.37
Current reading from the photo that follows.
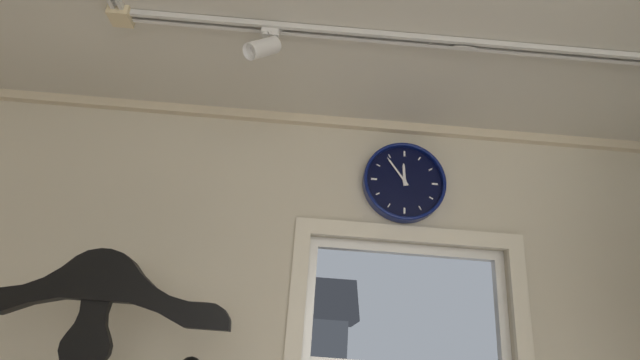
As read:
11.54
